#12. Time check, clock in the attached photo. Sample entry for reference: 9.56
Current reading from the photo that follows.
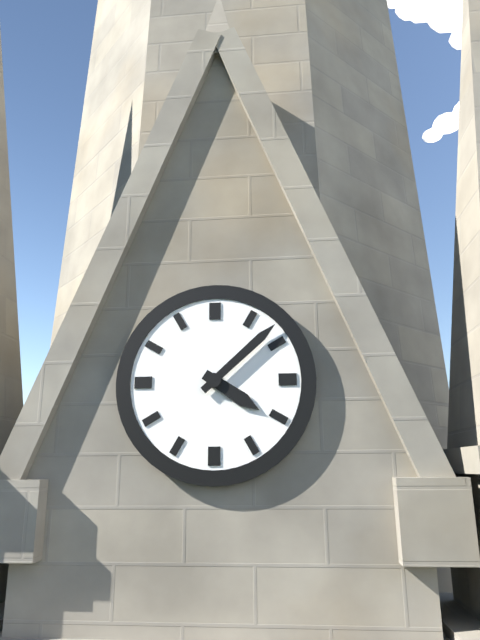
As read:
4.08
